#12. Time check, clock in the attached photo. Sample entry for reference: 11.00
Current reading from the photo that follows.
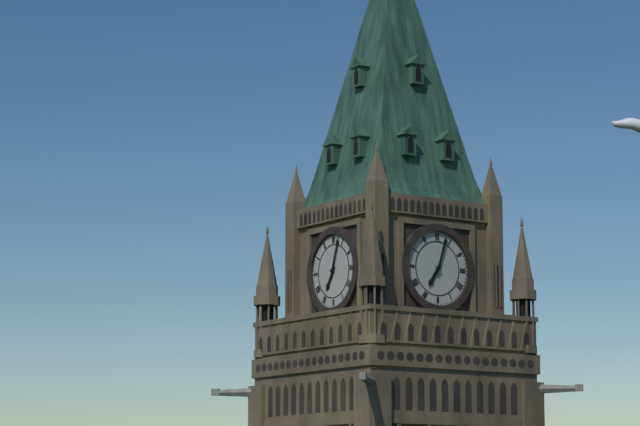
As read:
7.03
